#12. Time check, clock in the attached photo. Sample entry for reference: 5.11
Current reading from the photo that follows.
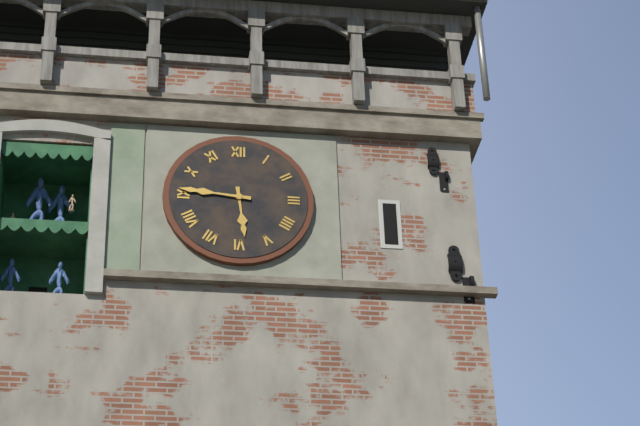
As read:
5.46
